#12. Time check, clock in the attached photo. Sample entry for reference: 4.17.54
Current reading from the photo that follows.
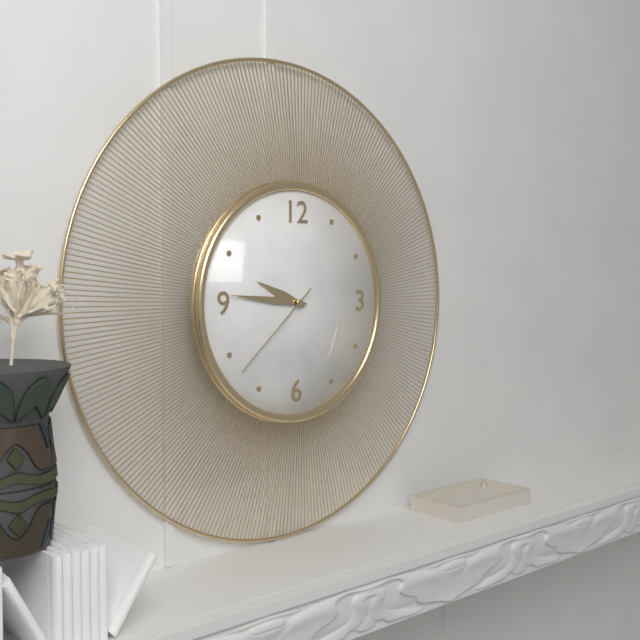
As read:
9.46.38
